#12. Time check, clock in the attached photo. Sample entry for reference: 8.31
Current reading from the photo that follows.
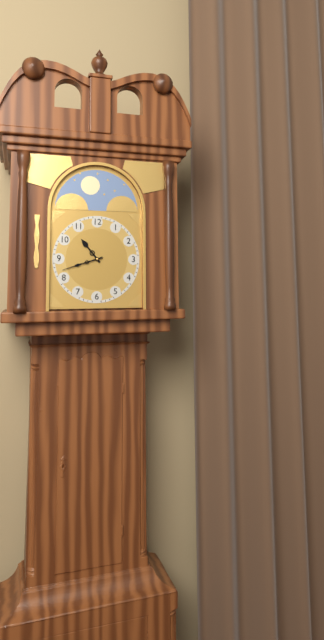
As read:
10.42
